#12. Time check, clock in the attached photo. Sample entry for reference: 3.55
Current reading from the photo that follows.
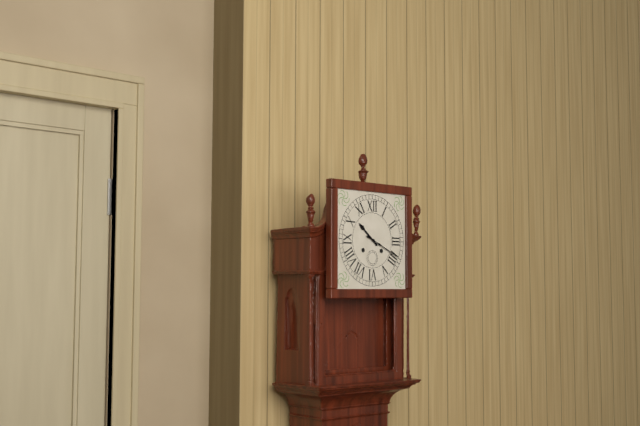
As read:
10.19
